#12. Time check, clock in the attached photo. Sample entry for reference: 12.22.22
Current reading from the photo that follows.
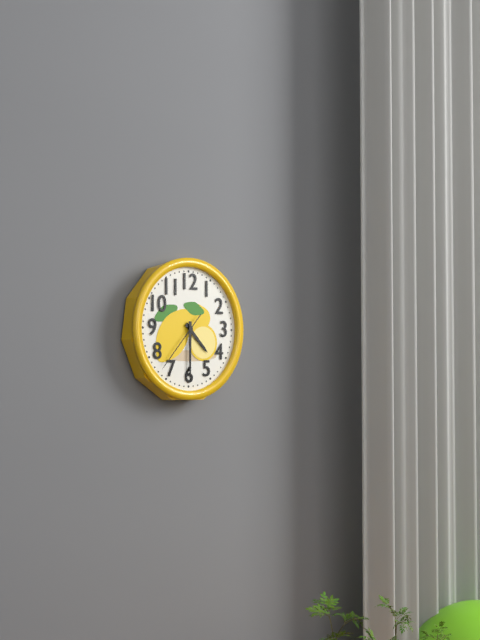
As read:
4.30.37
